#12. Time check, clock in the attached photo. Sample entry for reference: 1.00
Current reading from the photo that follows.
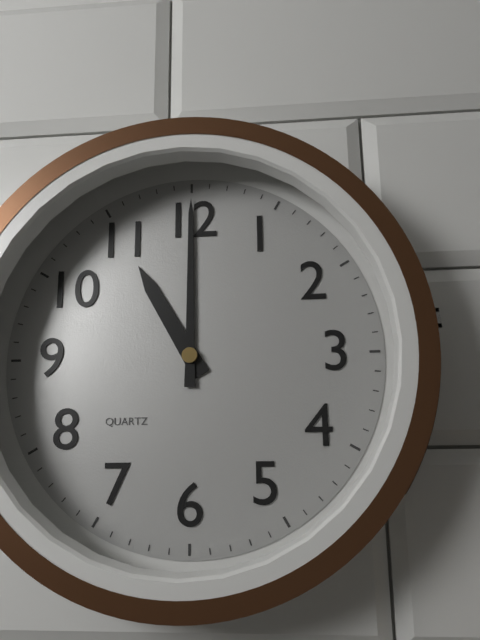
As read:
11.00
